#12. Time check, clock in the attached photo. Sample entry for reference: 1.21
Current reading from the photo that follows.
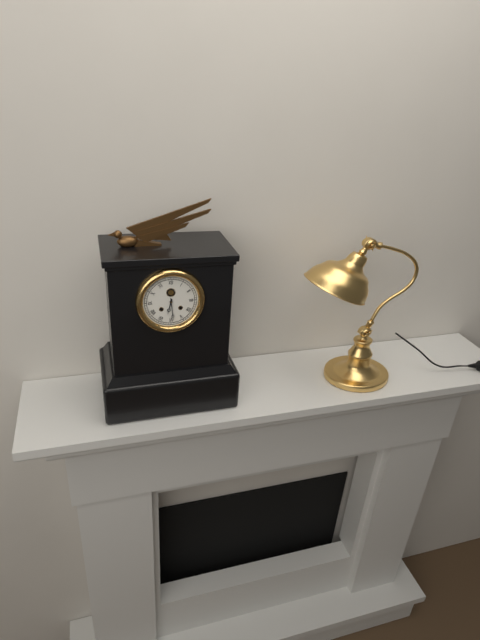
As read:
6.29
